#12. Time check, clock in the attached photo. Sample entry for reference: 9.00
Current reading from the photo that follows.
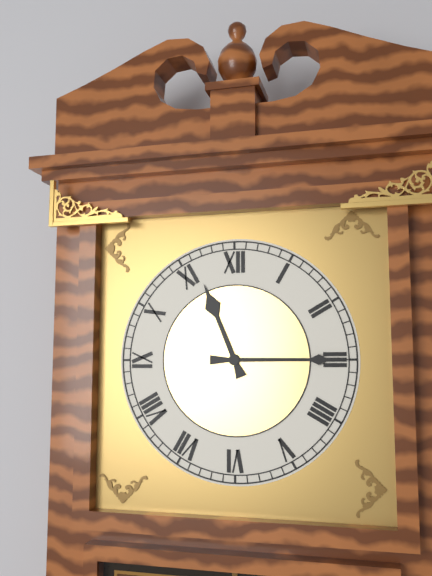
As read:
11.15
